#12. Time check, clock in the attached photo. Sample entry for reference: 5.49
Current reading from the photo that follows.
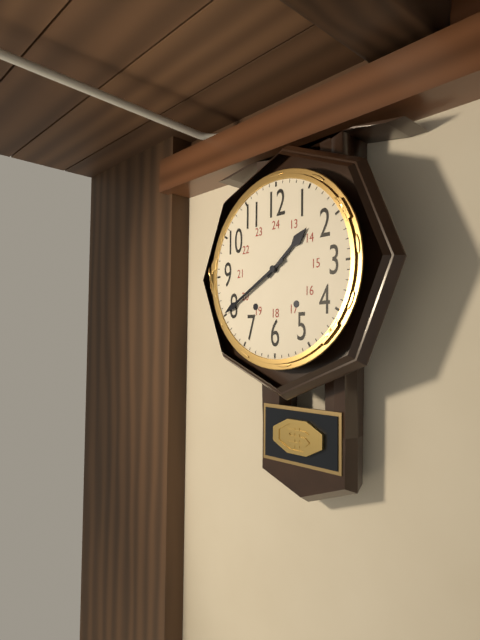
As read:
1.40
